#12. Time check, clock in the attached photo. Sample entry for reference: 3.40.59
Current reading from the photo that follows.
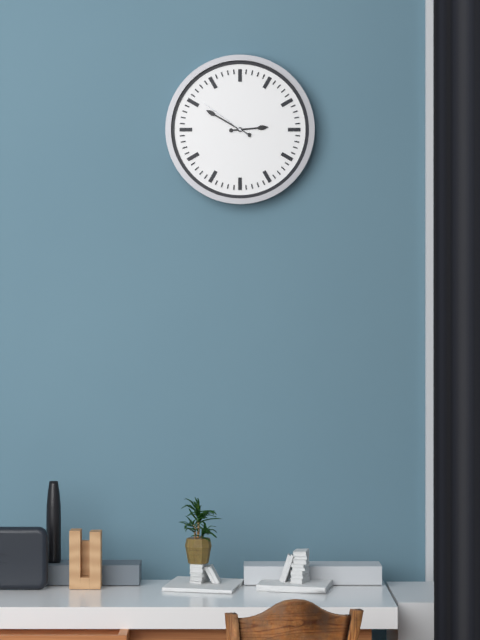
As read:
2.50.51
